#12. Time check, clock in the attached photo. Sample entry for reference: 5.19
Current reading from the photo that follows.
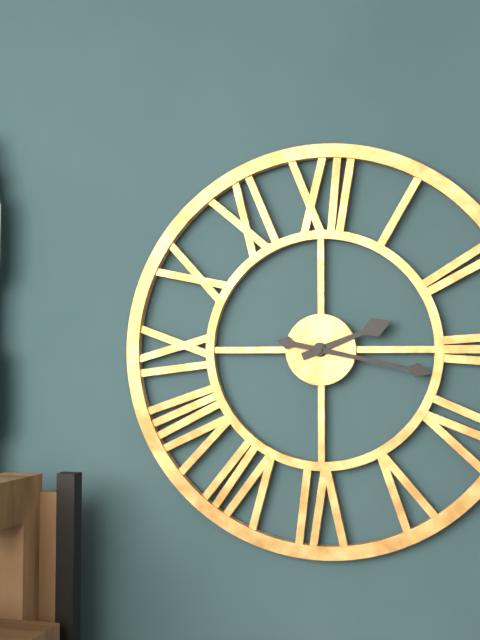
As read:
2.17
